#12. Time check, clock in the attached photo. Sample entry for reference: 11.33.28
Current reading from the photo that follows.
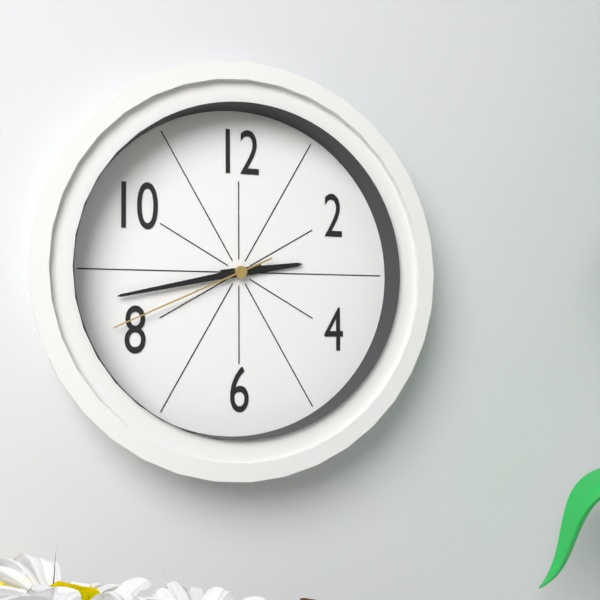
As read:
2.43.41
